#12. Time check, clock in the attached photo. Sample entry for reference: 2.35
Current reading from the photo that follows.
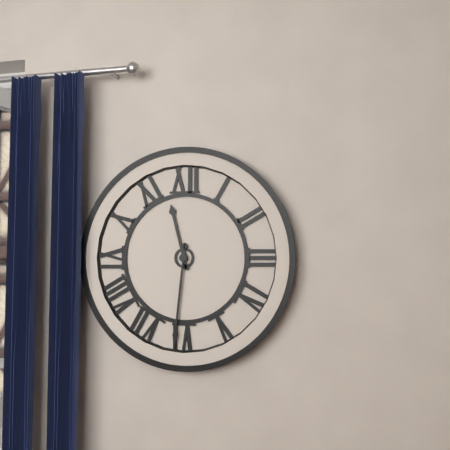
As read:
11.31
